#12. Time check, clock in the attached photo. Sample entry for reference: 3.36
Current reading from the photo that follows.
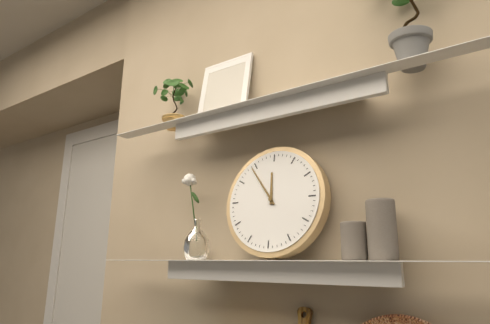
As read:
11.54
